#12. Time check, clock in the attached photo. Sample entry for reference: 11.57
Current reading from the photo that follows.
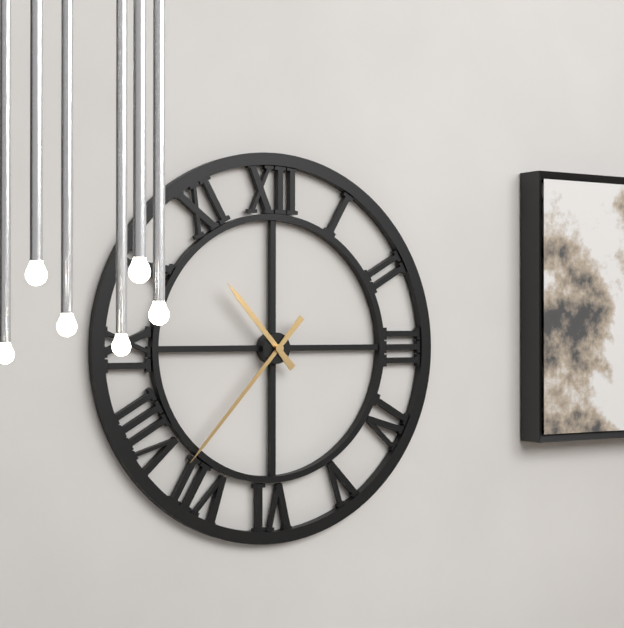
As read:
10.37
